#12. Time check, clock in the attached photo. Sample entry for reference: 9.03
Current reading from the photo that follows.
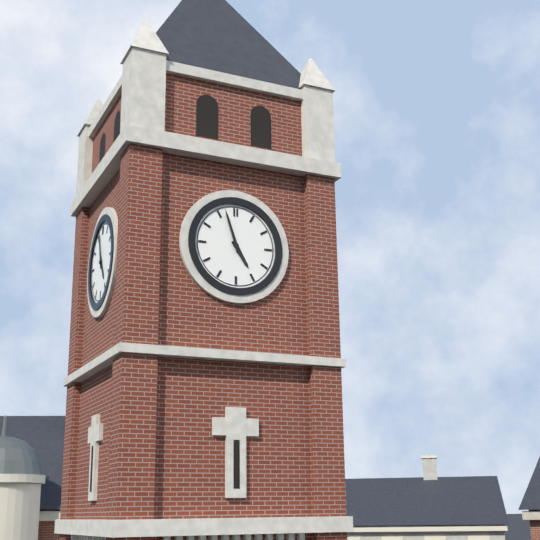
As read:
4.57
